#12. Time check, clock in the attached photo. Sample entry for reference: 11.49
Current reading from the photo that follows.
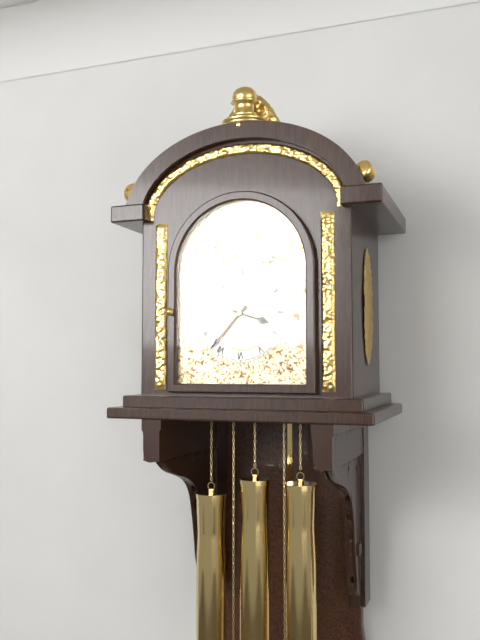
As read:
3.37
